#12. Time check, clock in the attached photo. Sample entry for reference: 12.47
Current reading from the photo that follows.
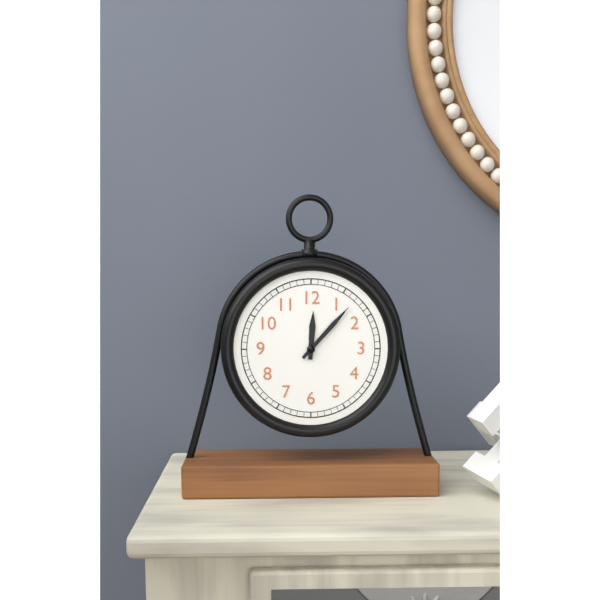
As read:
12.07
